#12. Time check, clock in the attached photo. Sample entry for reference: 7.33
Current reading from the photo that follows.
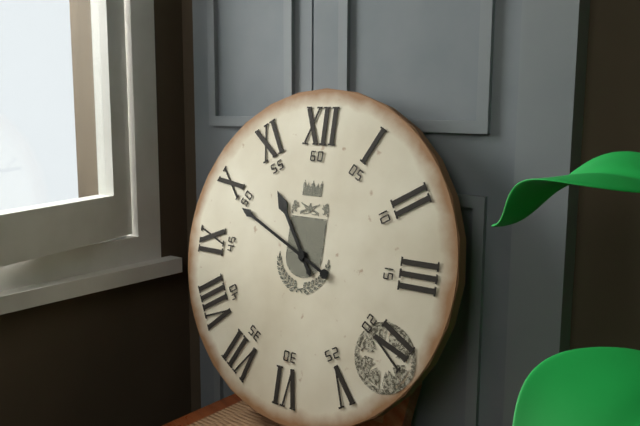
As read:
10.49
